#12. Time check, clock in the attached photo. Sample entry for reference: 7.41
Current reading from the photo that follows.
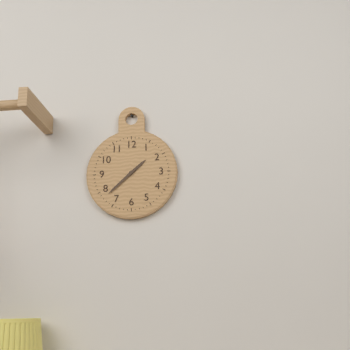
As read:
1.38
